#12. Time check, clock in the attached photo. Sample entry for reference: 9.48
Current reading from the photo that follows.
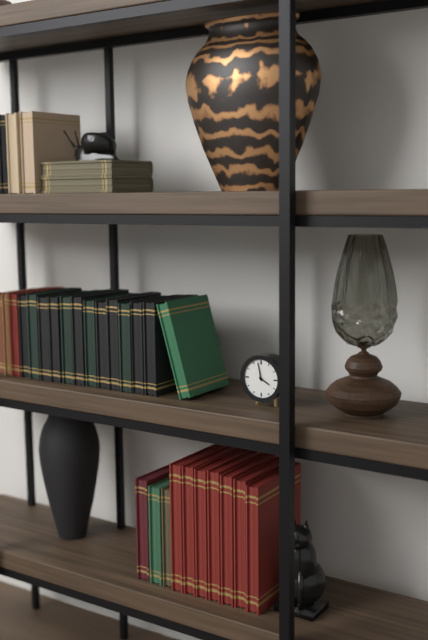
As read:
3.58
